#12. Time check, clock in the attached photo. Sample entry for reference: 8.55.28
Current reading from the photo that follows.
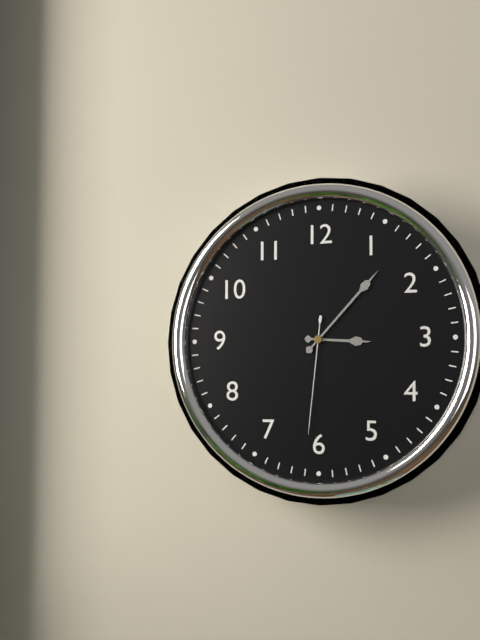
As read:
3.07.31
